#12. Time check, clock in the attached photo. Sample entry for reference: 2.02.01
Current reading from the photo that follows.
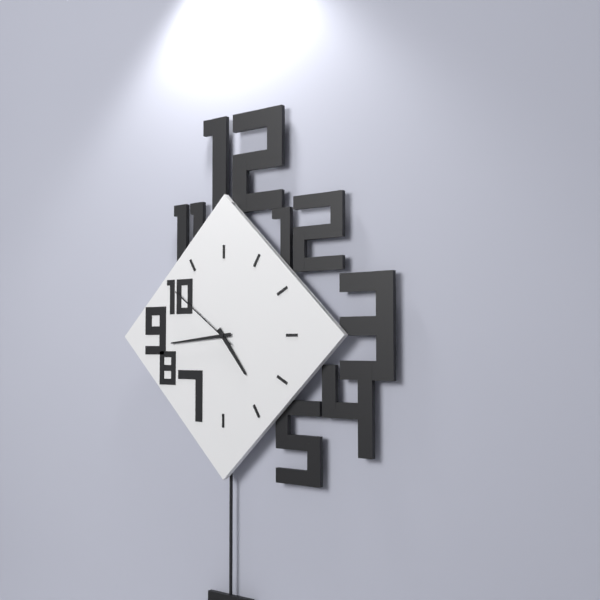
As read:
4.44.51
